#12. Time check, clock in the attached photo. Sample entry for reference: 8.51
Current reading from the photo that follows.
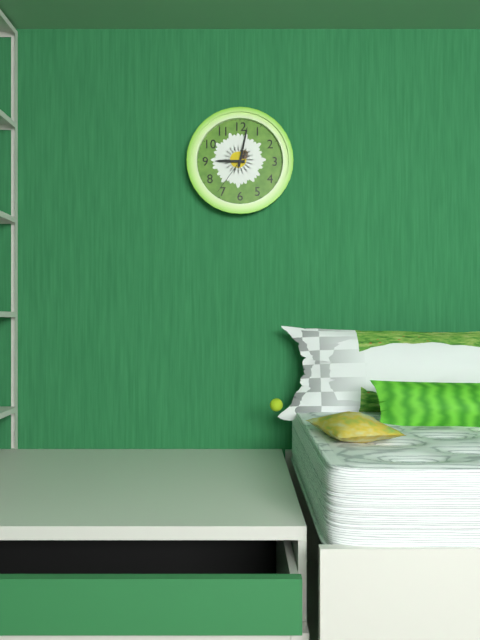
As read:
9.02
